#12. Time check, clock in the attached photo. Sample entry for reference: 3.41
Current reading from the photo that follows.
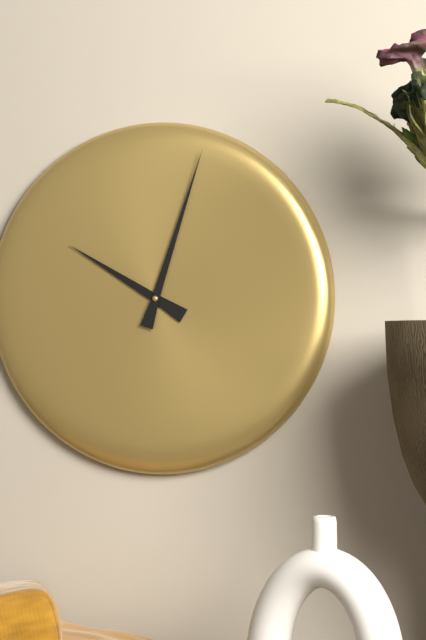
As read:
10.03
